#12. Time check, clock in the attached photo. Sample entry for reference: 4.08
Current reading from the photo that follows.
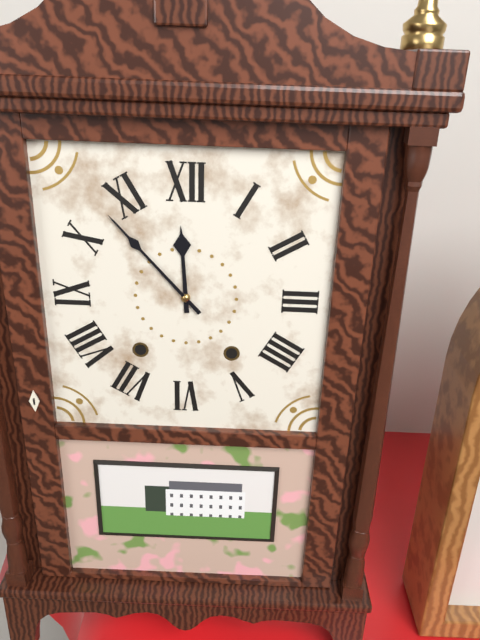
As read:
11.53
